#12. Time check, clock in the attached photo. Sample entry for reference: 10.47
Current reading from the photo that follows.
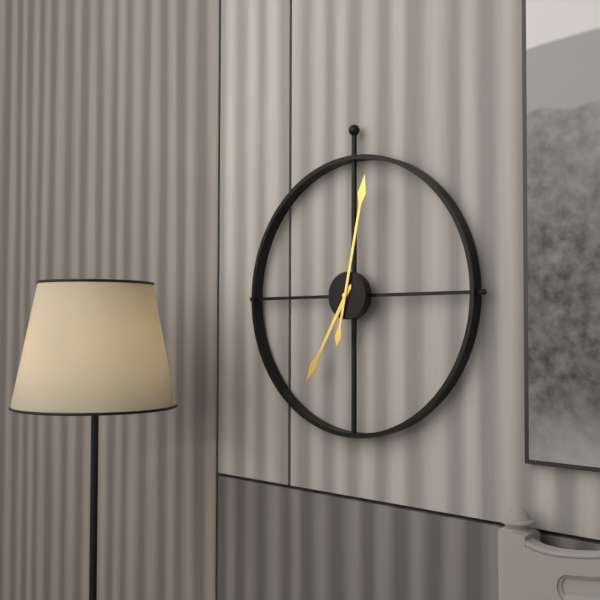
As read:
7.02
